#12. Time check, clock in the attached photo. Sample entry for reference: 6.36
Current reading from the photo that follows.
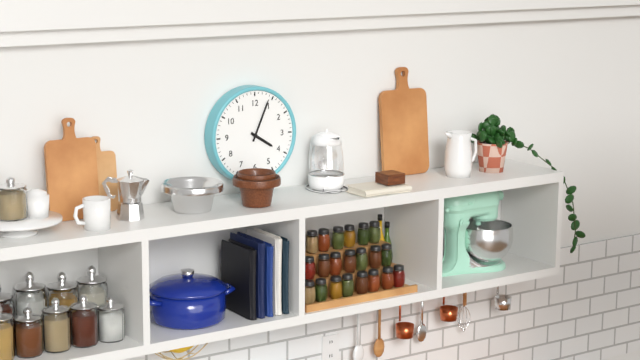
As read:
4.04
